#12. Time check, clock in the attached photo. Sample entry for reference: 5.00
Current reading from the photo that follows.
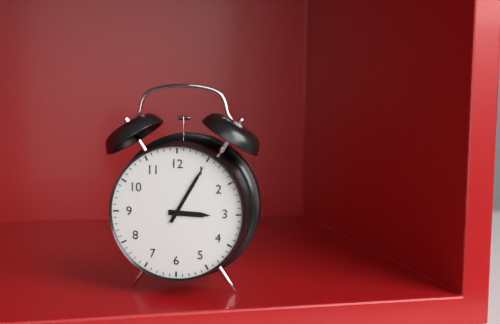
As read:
3.05
